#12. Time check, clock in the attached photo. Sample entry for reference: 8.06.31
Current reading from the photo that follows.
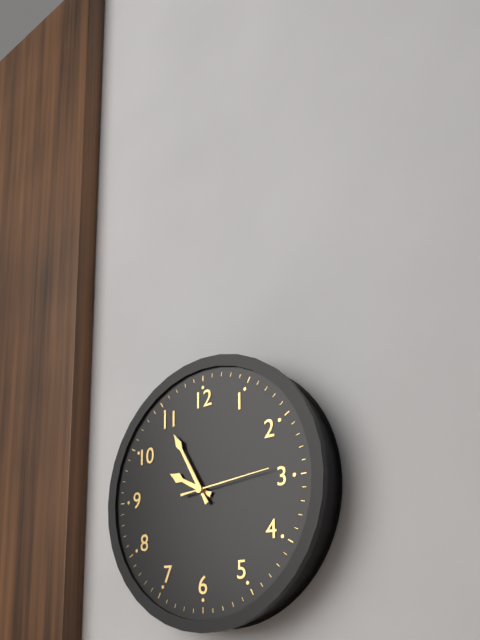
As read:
9.55.14
